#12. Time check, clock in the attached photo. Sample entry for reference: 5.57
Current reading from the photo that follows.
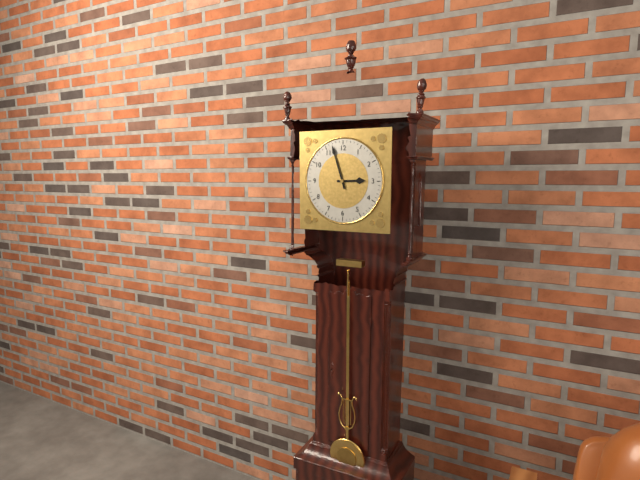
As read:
2.57
